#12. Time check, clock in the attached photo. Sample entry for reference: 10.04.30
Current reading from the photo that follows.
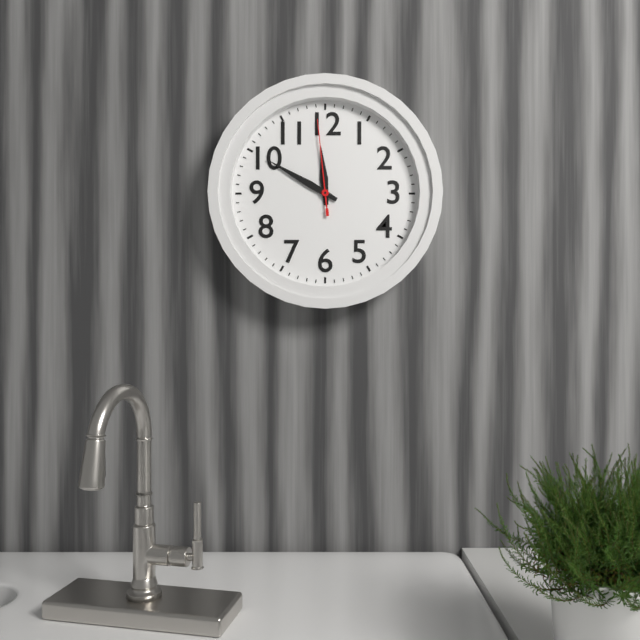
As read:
11.50.59
